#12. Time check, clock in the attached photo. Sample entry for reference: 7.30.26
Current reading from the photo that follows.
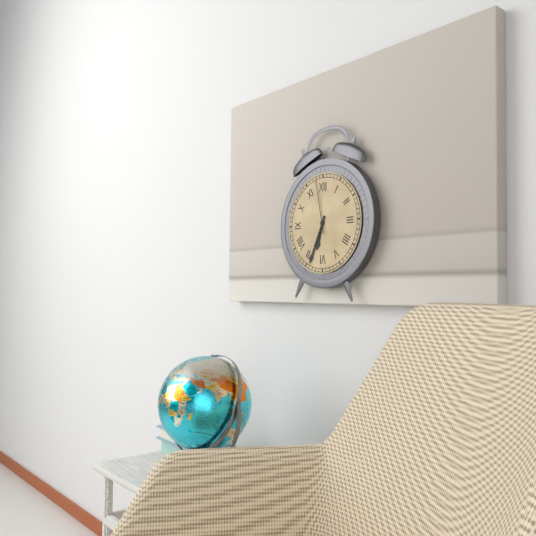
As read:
6.34.58
